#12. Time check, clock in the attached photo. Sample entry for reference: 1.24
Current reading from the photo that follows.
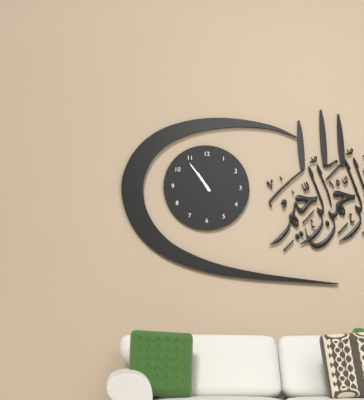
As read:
10.54
